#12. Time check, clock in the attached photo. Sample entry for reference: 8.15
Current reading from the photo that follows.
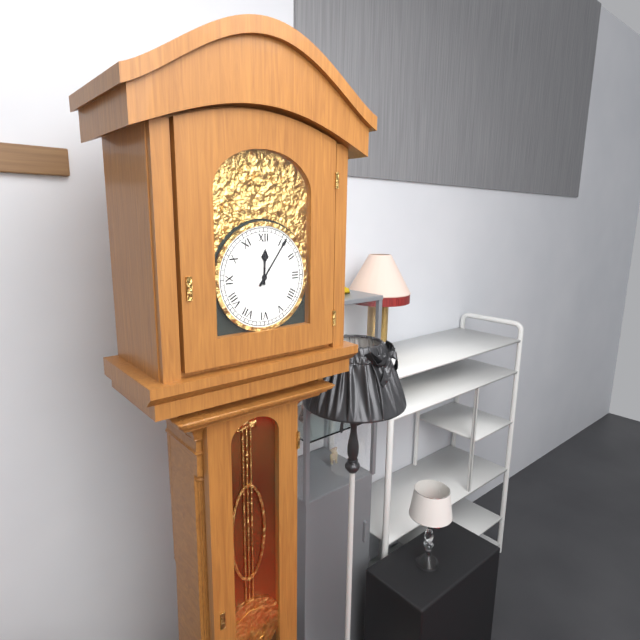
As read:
12.06
